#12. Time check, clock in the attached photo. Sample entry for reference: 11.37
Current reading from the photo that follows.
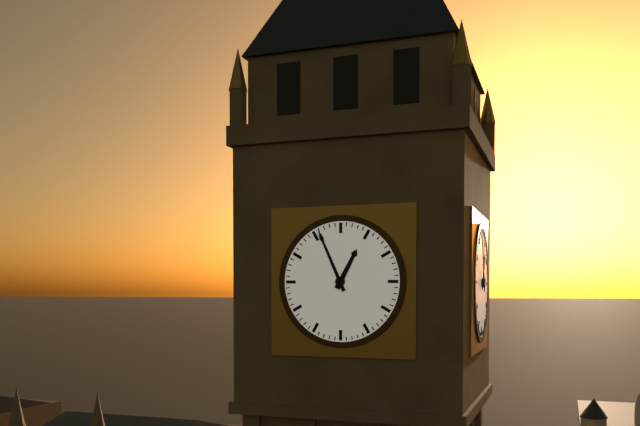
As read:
12.56
